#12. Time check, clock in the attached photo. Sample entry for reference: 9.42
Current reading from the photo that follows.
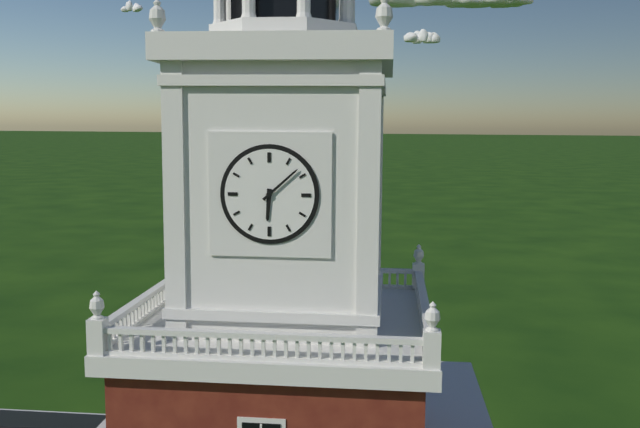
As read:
6.08
